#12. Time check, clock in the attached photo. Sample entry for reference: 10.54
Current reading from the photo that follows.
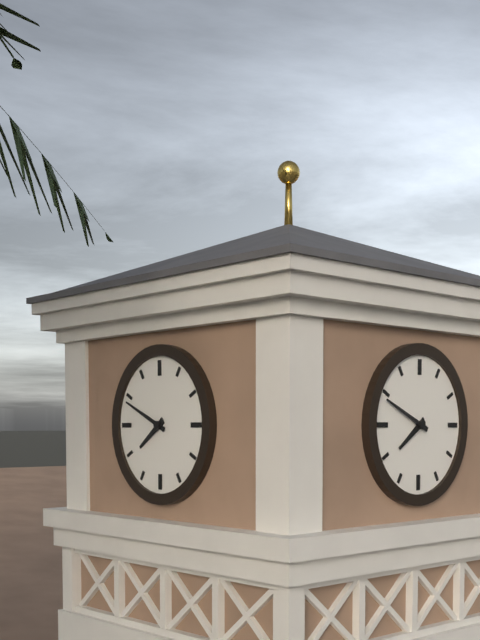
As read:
7.49
